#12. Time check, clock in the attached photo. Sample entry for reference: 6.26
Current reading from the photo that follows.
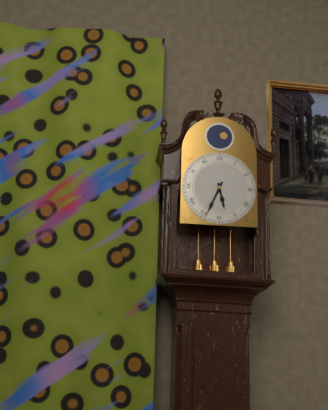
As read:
5.34
